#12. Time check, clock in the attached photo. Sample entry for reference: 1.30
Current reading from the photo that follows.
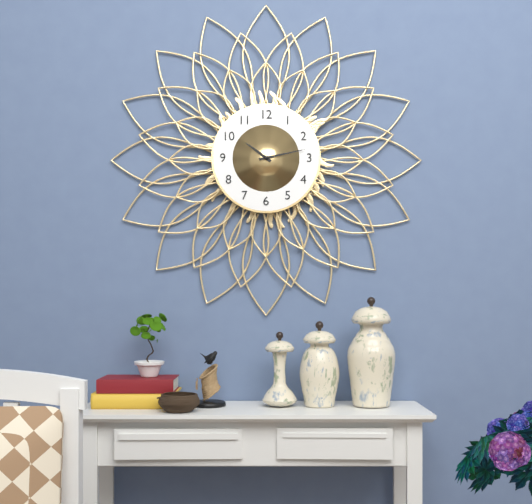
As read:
10.13
